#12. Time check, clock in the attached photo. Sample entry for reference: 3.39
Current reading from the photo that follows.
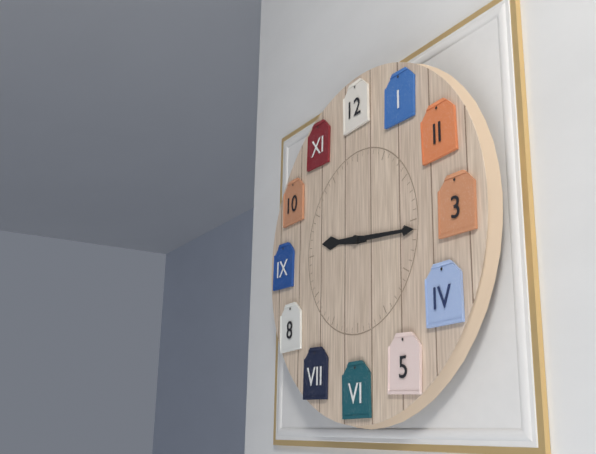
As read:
9.16
